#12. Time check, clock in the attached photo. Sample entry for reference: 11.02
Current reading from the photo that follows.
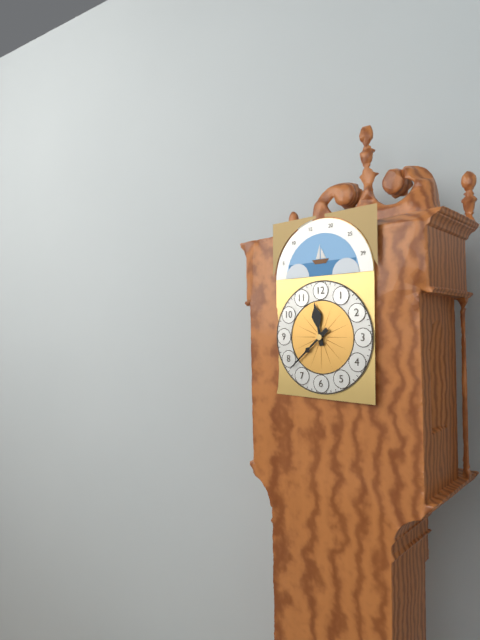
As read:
11.38
